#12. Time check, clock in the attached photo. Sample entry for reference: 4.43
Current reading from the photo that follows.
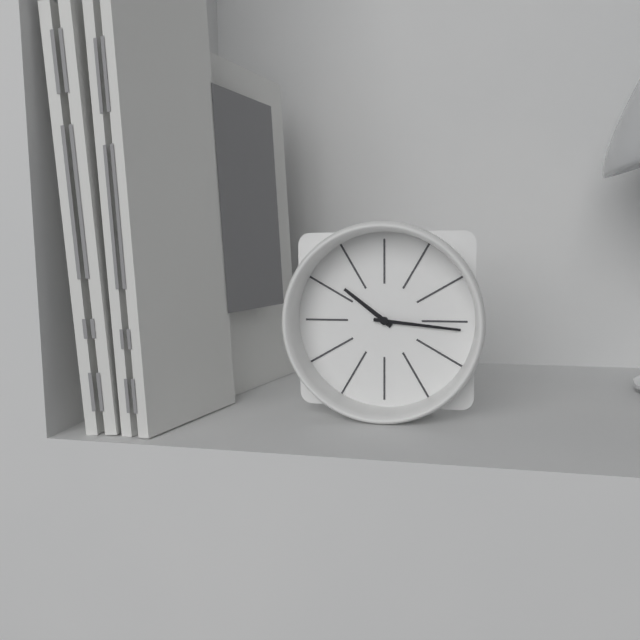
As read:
10.16
